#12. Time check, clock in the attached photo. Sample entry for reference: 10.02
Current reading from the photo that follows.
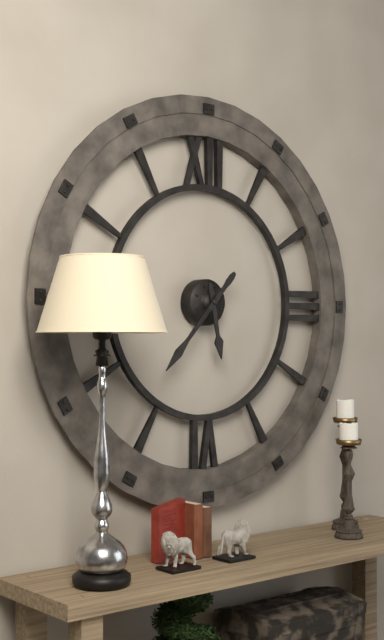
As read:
5.37
